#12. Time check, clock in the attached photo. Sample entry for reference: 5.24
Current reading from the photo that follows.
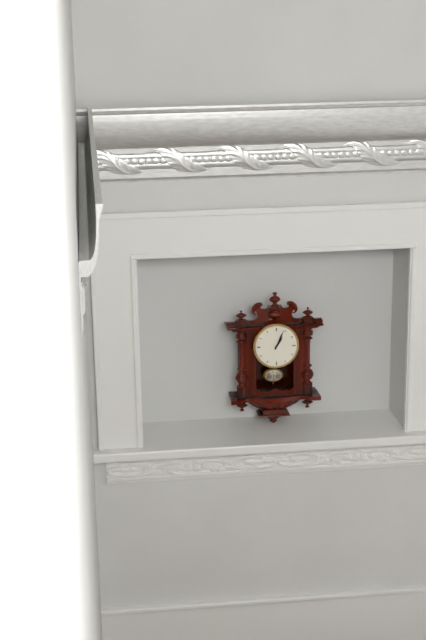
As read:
1.04
